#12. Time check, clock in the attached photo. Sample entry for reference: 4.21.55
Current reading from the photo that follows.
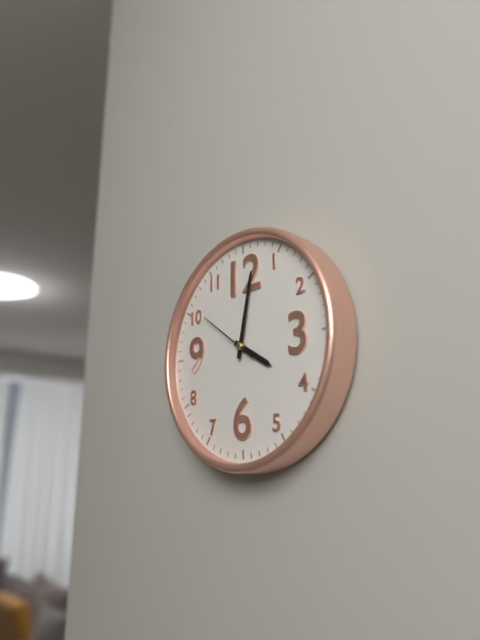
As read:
4.02.51
